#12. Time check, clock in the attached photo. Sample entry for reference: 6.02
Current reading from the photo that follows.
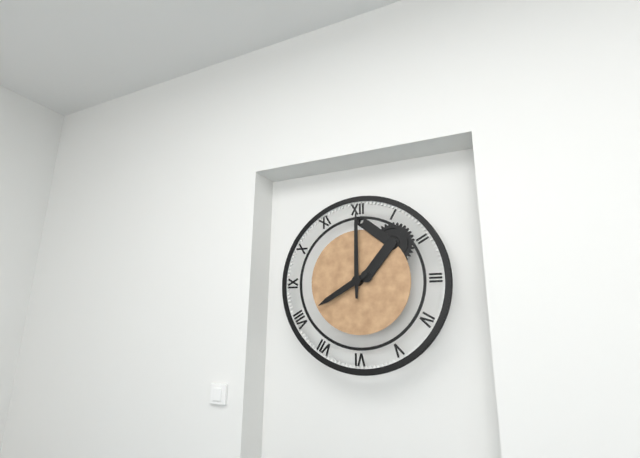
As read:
8.00
